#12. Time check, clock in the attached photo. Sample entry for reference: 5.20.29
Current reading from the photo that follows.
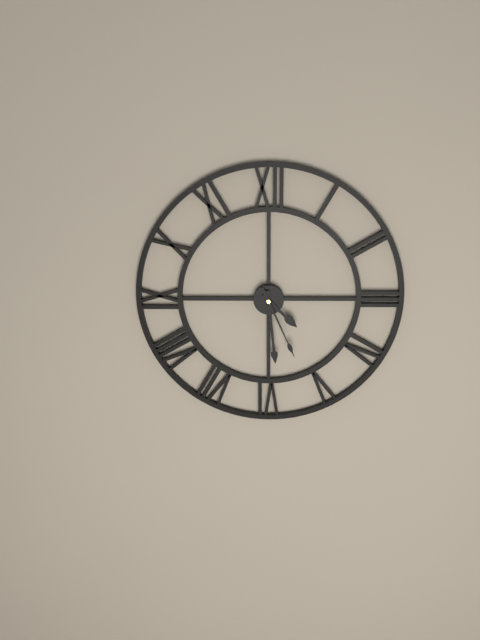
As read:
4.29.26
